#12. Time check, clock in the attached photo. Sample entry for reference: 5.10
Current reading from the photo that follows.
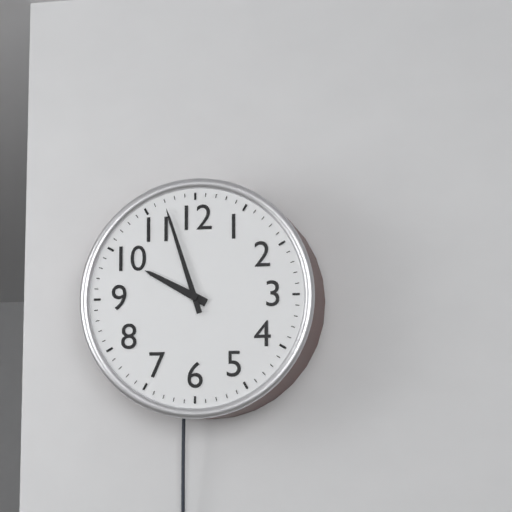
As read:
9.57
